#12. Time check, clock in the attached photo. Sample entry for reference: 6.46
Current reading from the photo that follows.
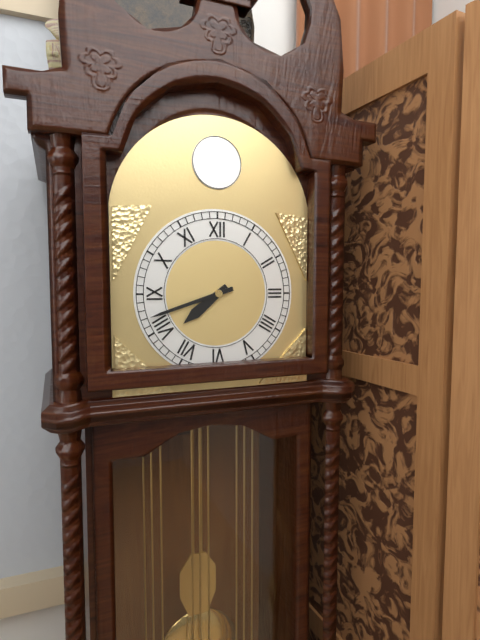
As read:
7.42
